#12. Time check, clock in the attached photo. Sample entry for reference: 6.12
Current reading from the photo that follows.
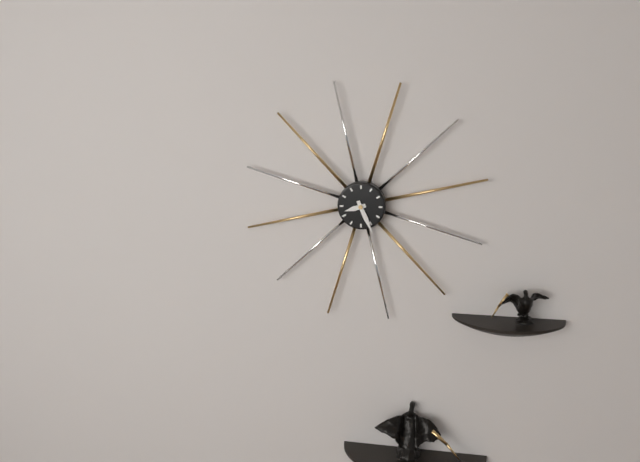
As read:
8.26
